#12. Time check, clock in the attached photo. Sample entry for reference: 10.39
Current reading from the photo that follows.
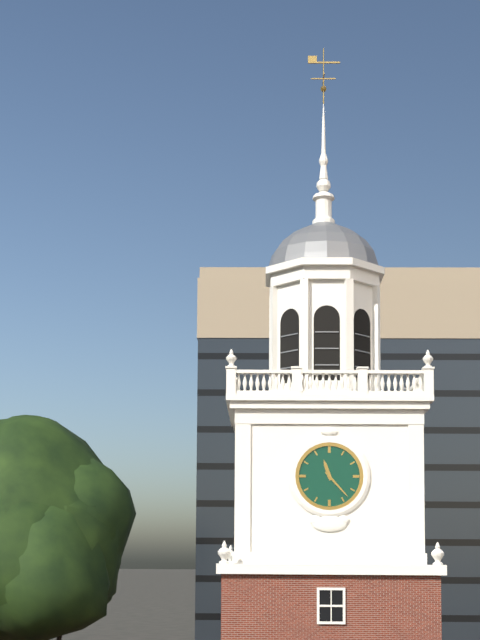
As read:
11.23
